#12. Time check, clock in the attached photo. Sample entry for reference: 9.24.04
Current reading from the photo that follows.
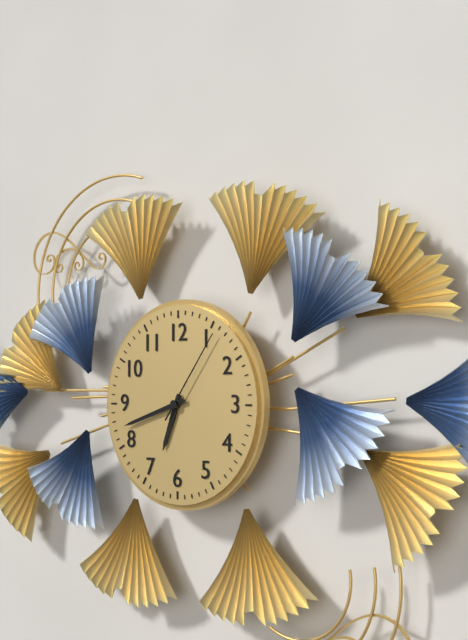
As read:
6.42.06
